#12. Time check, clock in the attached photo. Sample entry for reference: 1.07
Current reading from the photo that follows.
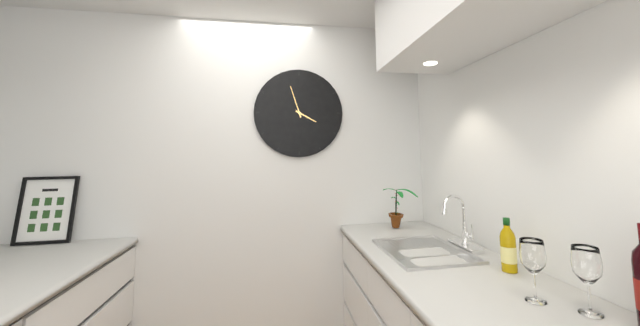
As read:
3.57
